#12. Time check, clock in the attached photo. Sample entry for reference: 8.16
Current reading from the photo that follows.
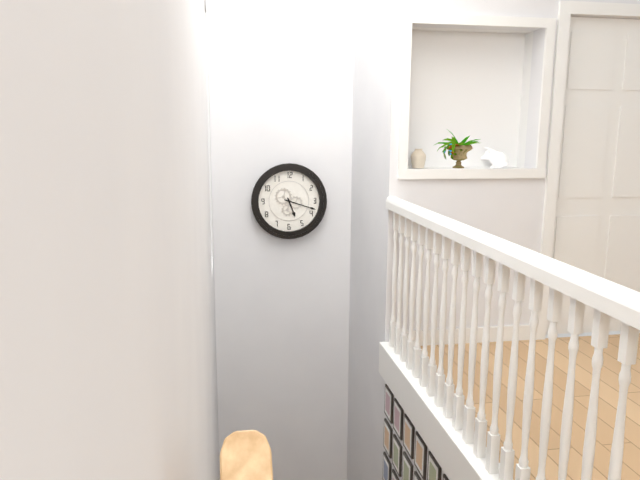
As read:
5.18
